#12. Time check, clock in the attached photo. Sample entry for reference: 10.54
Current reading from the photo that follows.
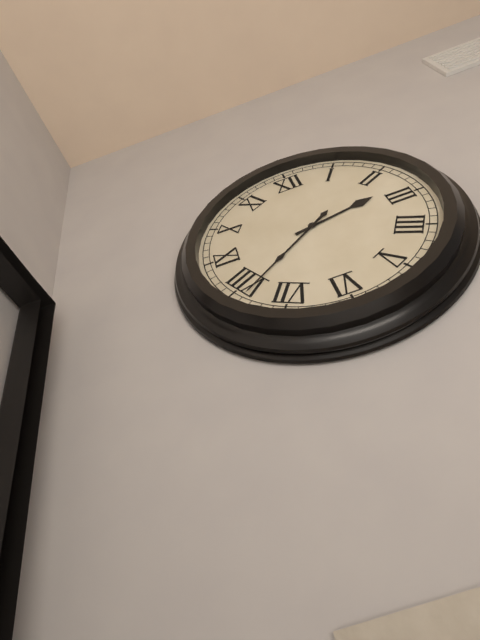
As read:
2.39
